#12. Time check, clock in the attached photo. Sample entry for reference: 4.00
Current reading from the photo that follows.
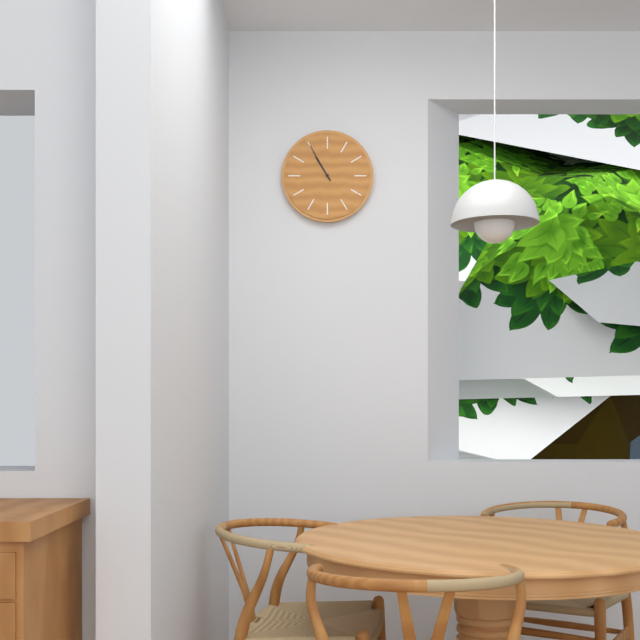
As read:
10.55
